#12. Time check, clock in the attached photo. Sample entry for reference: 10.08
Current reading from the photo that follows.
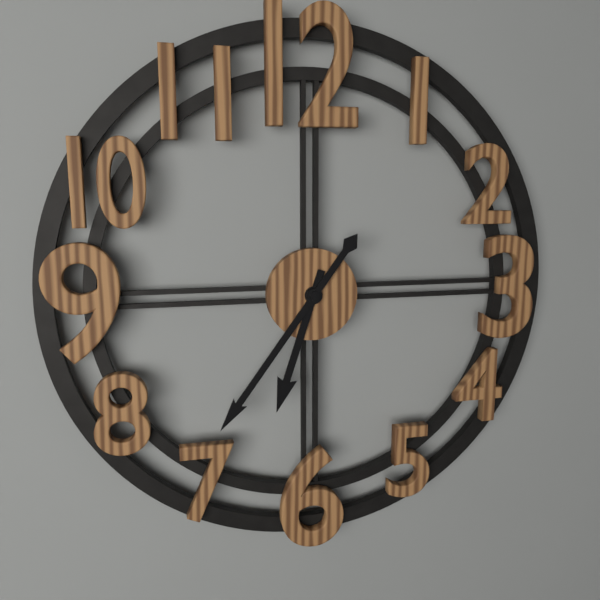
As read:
6.36
